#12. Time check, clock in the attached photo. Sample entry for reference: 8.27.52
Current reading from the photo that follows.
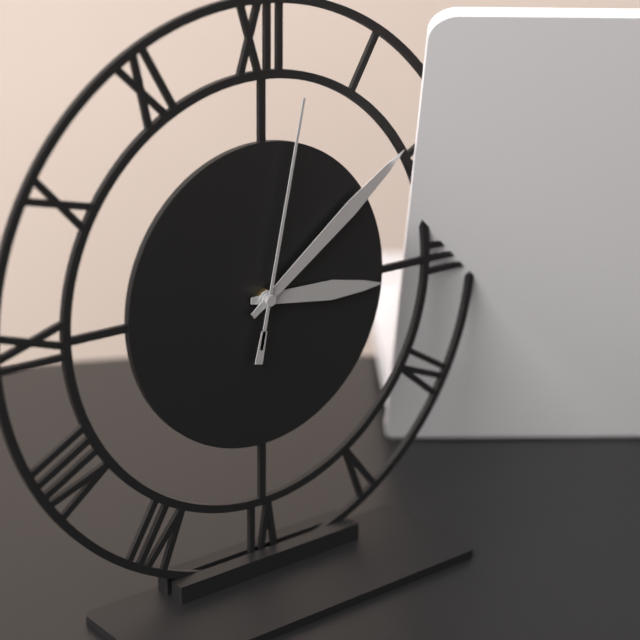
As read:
3.09.02
